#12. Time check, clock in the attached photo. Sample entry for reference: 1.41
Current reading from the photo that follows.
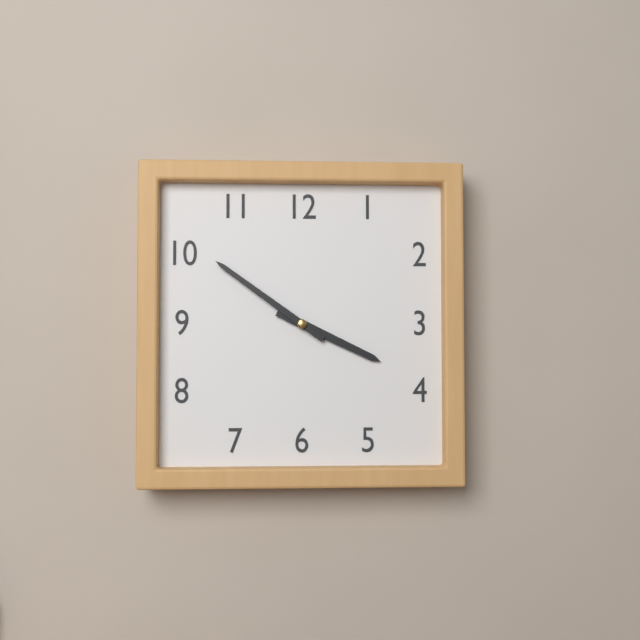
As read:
3.51
